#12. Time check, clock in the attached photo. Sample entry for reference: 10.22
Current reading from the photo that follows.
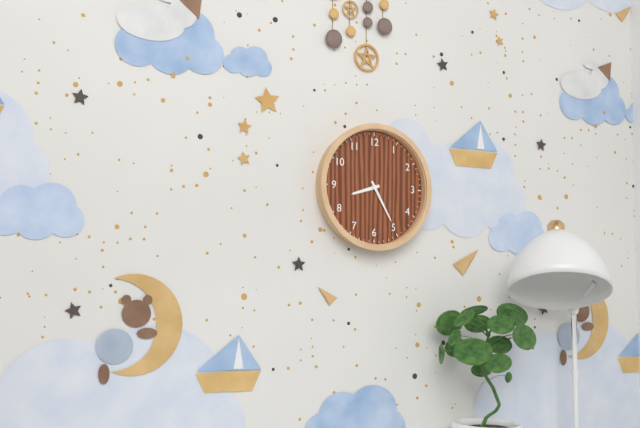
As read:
8.25
